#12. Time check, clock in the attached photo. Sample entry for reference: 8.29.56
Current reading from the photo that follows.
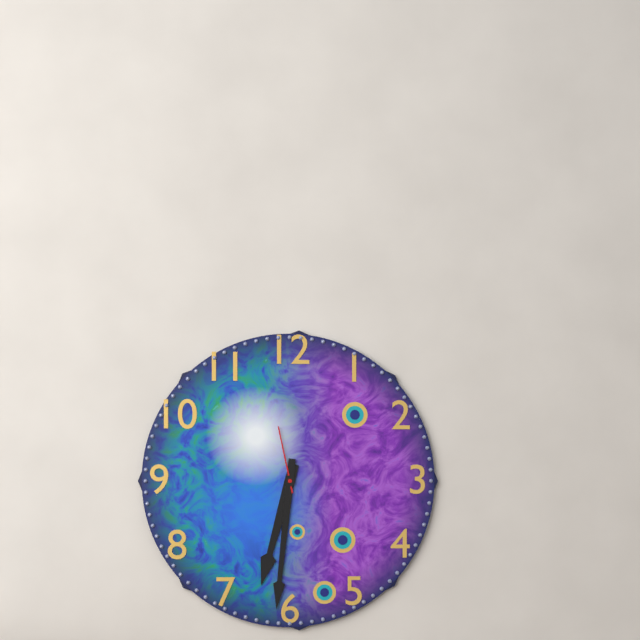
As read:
6.31.58
